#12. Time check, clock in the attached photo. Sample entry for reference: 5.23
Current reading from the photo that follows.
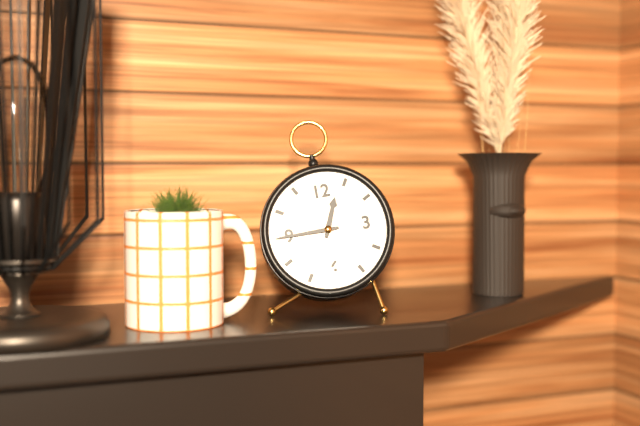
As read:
12.45
